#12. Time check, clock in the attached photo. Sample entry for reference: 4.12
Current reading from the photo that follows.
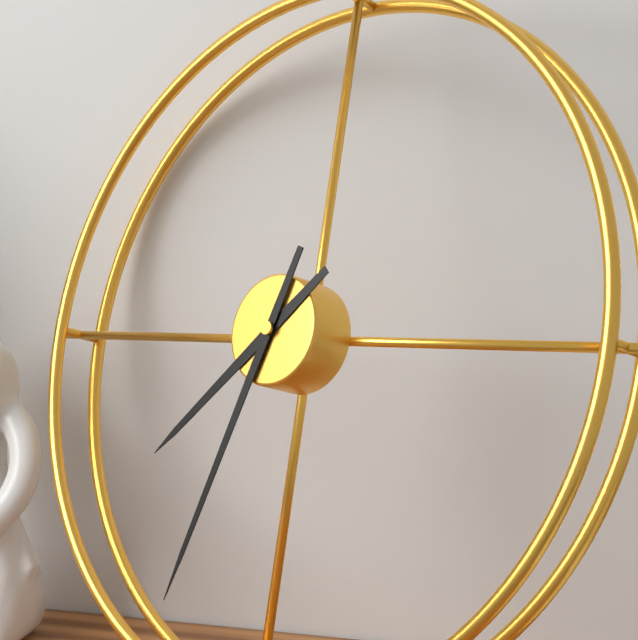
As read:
7.33
